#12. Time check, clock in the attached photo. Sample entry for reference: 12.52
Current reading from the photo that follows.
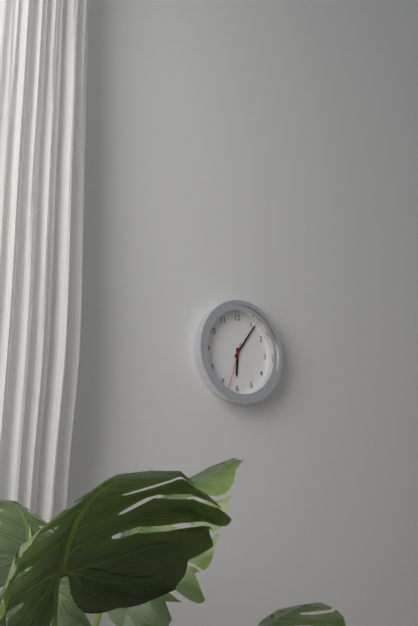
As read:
6.06
